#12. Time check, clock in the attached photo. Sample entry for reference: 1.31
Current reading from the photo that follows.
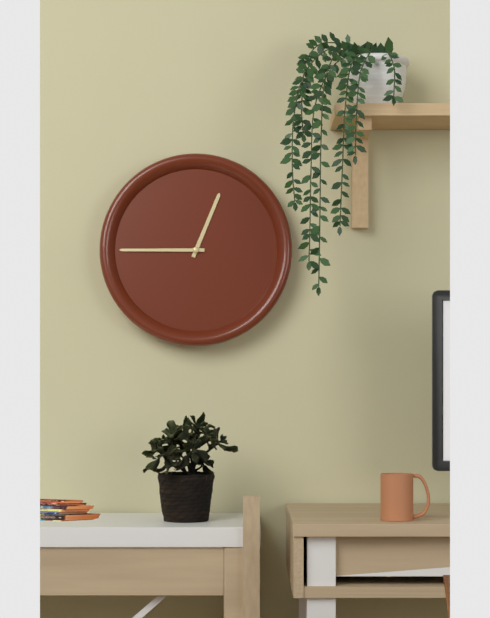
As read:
12.45
